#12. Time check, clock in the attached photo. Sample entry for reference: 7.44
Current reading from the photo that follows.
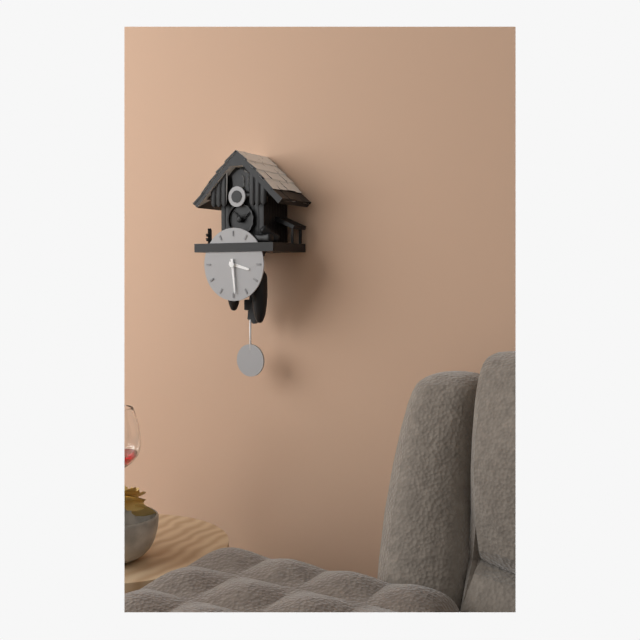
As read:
3.29
